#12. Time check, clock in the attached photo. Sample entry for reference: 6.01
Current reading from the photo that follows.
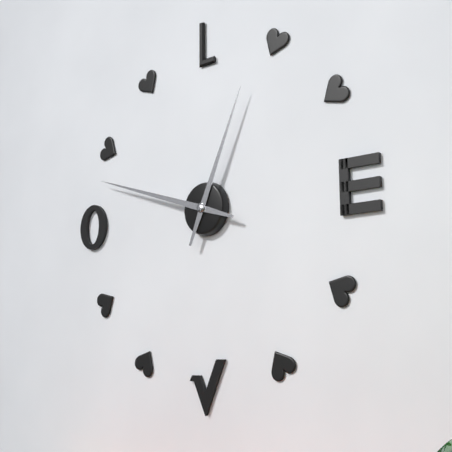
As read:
12.48
